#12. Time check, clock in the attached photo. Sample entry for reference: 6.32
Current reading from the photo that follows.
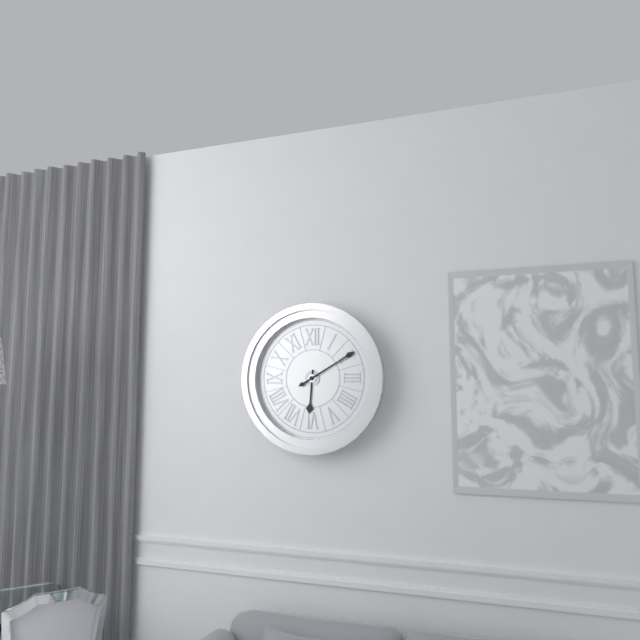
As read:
6.10
